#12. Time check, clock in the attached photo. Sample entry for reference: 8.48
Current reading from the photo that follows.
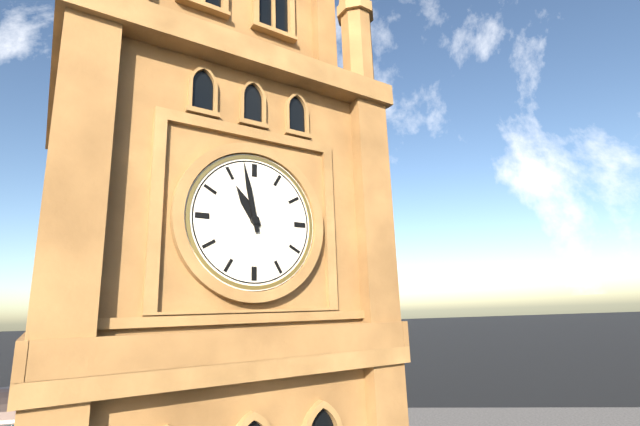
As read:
10.58
